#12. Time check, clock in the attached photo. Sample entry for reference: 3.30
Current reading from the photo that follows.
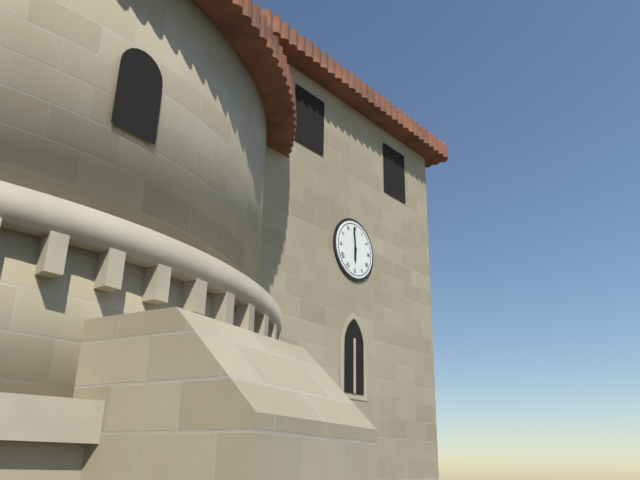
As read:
5.59
